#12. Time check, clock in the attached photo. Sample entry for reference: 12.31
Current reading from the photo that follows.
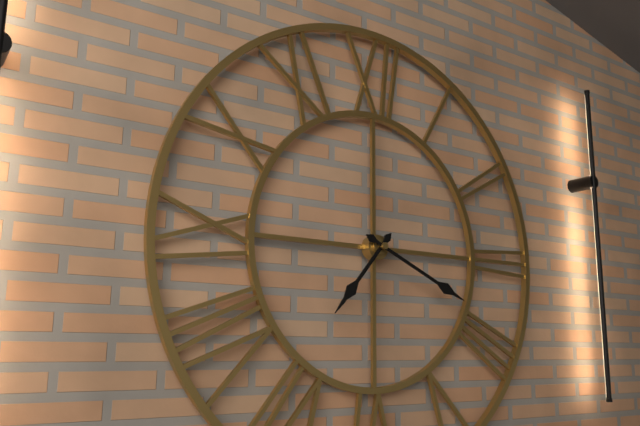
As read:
7.19
